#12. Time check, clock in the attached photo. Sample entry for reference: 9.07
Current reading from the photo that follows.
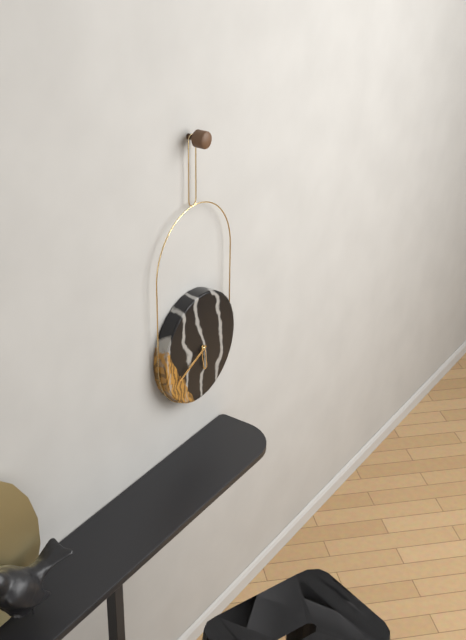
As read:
5.41
